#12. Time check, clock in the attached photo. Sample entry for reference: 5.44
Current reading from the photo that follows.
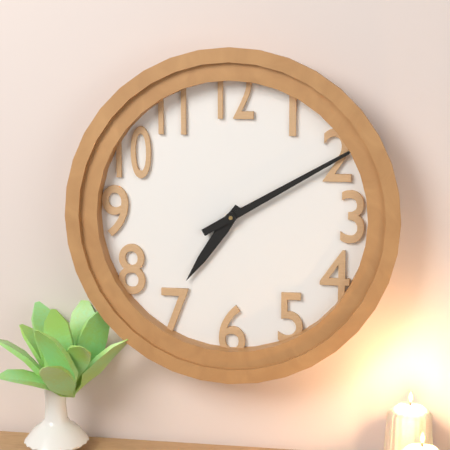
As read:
7.10
